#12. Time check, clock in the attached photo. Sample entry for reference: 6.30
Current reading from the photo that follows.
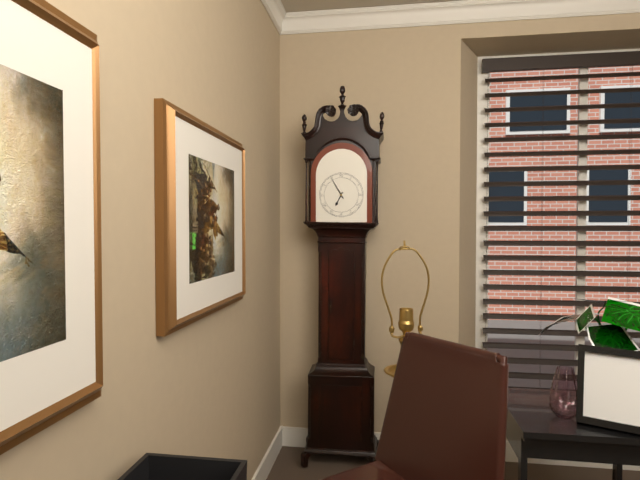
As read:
6.55
